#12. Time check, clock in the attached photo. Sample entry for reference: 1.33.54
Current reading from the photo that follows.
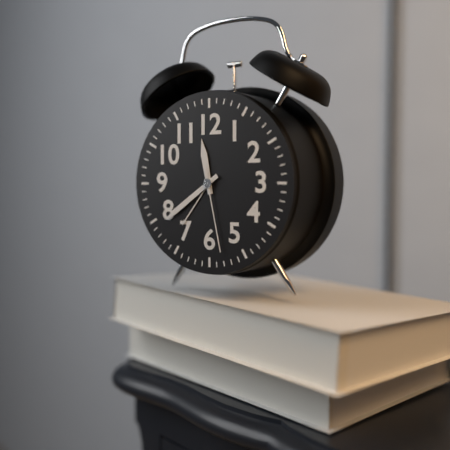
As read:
11.39.28
